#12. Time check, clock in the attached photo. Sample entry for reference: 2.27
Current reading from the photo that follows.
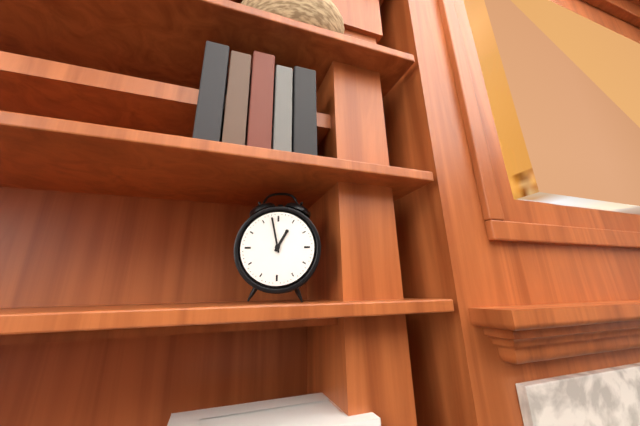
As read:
12.58
